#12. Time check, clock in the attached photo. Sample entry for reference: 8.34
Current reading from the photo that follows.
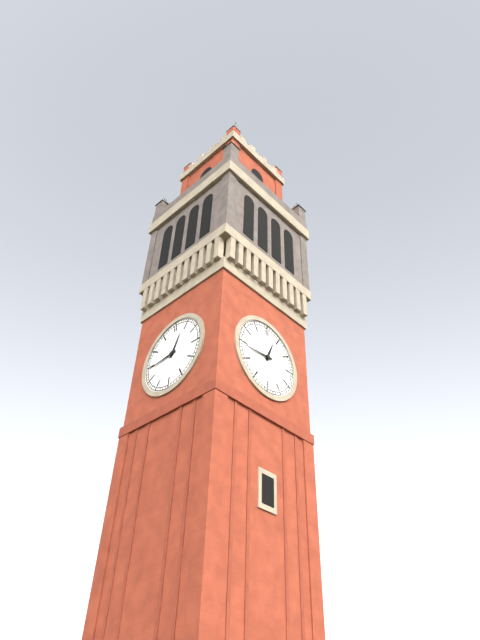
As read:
12.44
